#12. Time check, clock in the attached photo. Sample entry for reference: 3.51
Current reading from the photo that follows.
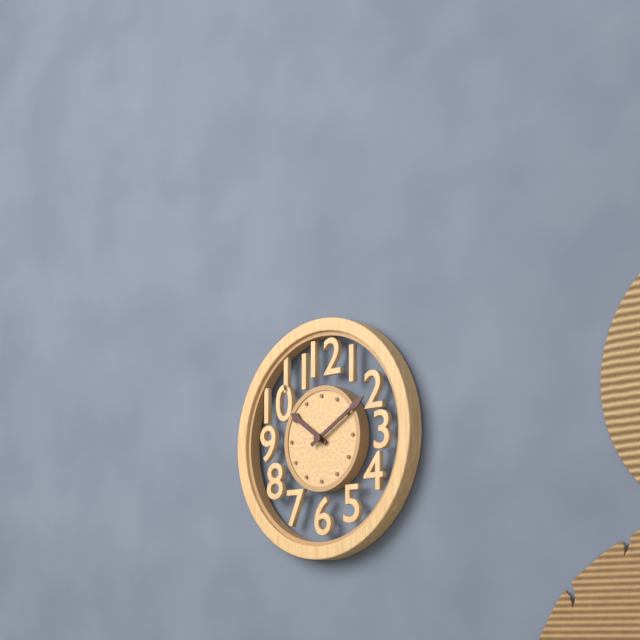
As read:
10.10
